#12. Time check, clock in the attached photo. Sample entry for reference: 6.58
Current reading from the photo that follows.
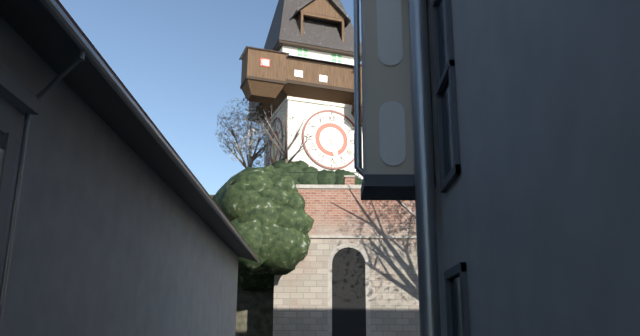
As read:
5.28
